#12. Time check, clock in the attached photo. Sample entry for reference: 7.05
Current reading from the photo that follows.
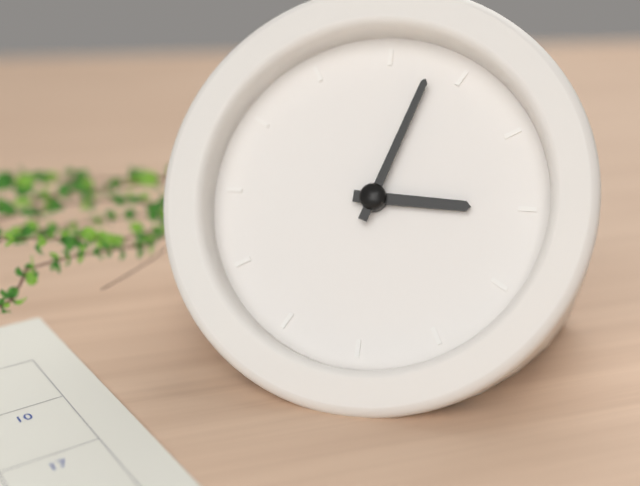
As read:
3.03
